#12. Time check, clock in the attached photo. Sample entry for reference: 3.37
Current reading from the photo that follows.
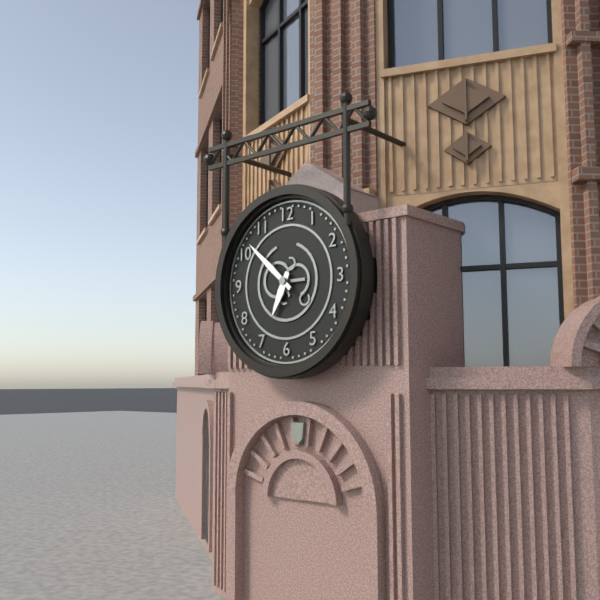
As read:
6.52
